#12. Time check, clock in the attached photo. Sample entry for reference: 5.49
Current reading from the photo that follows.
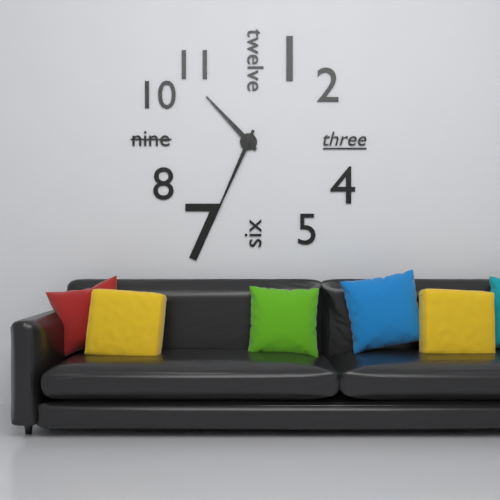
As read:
10.34
